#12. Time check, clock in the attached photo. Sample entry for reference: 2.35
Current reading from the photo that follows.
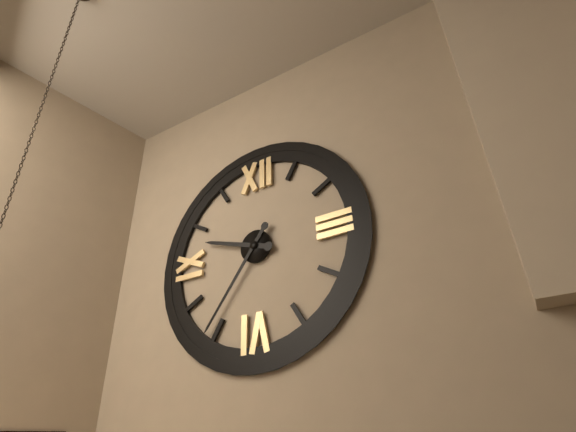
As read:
9.36
